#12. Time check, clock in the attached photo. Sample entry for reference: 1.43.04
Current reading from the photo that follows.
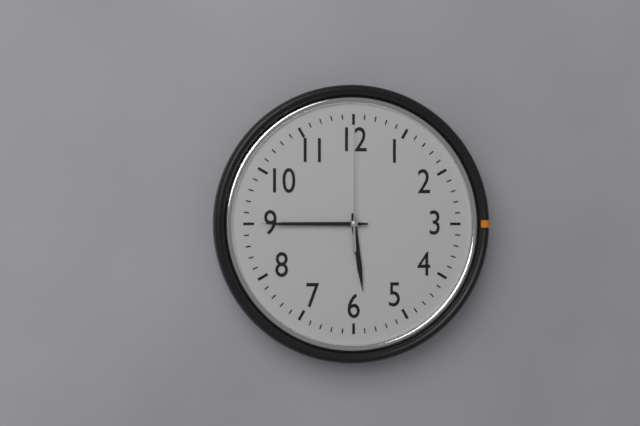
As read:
5.45.00
